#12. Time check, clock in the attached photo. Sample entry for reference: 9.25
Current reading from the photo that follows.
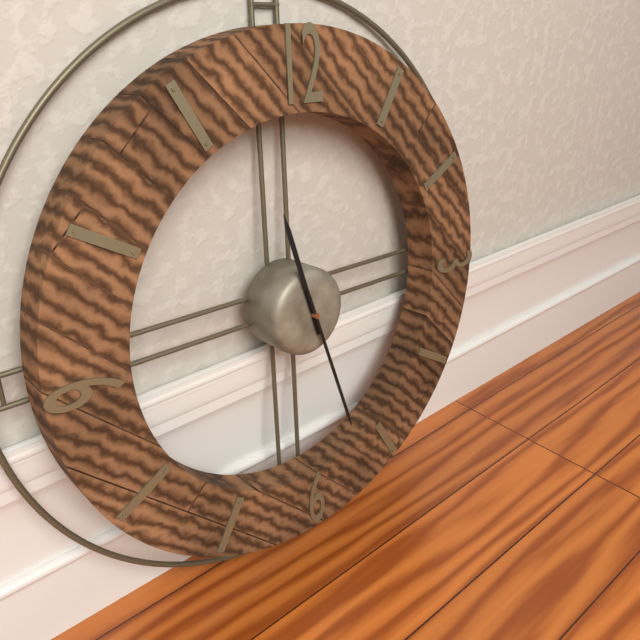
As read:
11.27
